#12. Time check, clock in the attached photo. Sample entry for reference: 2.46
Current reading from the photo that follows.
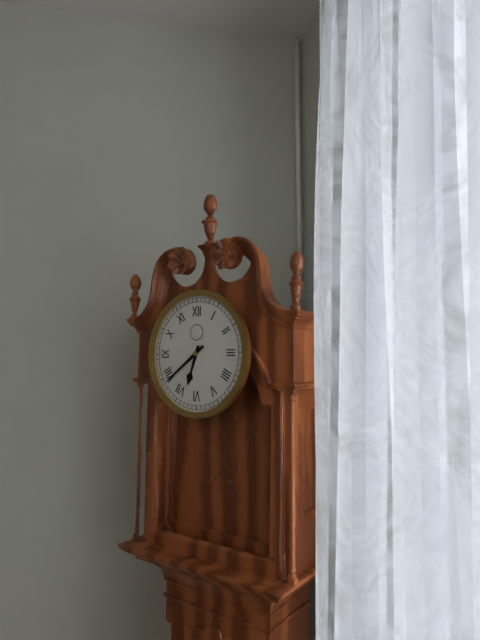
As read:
6.39
